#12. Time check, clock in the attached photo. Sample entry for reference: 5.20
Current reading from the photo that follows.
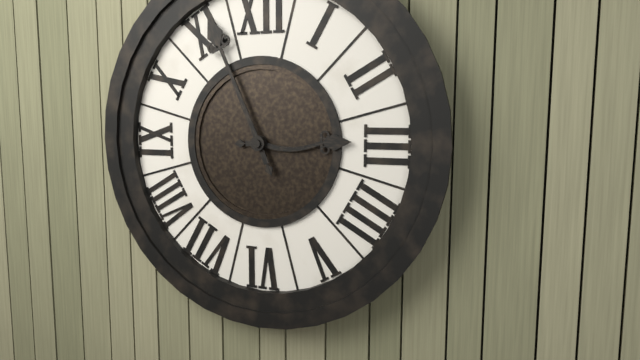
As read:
2.56
